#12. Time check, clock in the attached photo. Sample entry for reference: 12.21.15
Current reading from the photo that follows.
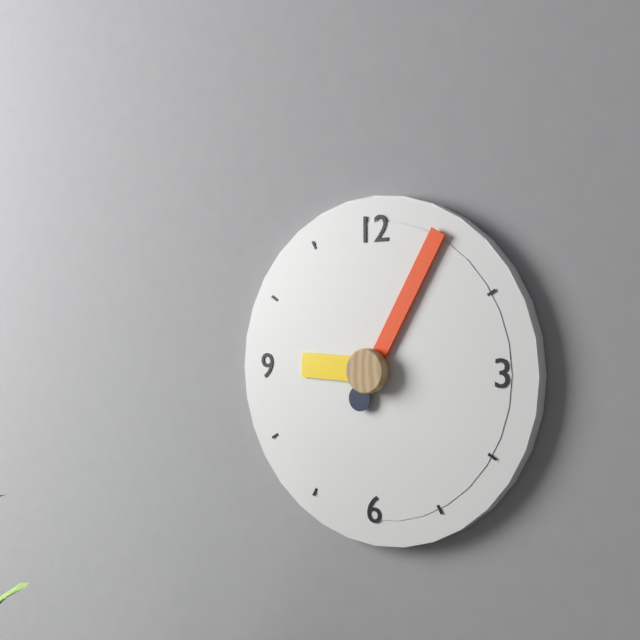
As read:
9.05.34
